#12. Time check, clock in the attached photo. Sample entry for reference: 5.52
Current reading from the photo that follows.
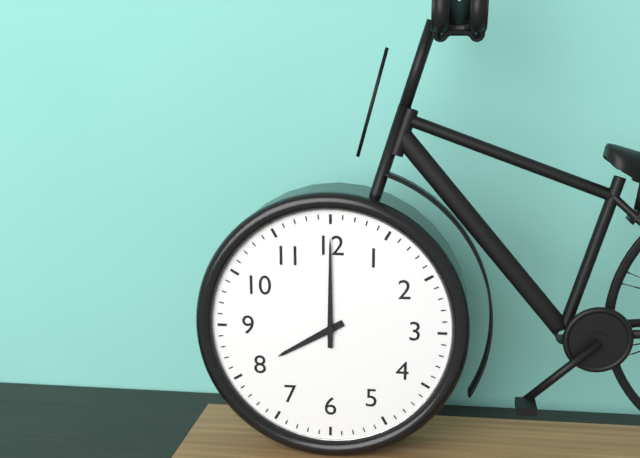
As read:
8.00
